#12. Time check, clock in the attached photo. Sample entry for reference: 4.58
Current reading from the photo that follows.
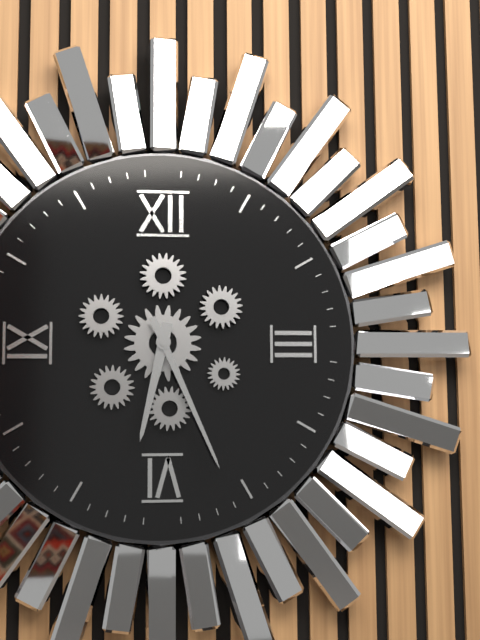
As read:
6.26
